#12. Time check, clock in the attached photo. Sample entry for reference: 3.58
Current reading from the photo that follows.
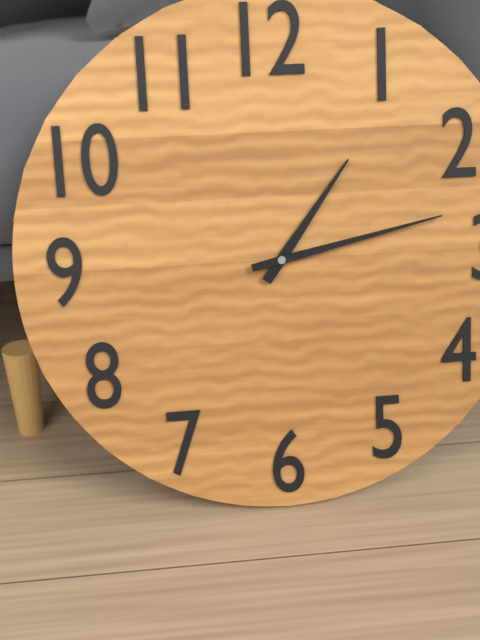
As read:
1.13
